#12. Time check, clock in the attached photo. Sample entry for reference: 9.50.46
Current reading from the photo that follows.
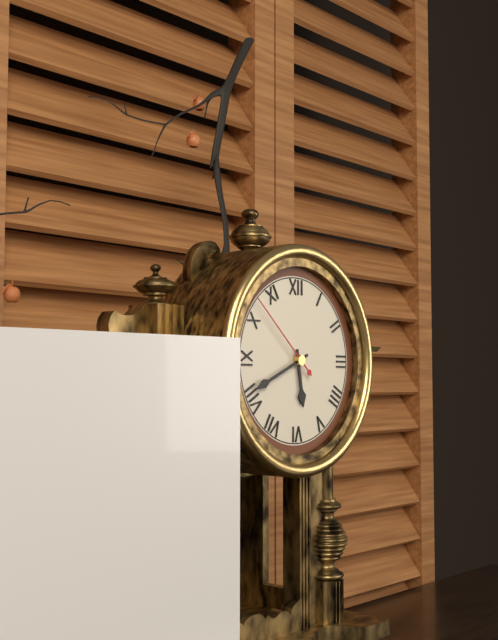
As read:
5.41.52
